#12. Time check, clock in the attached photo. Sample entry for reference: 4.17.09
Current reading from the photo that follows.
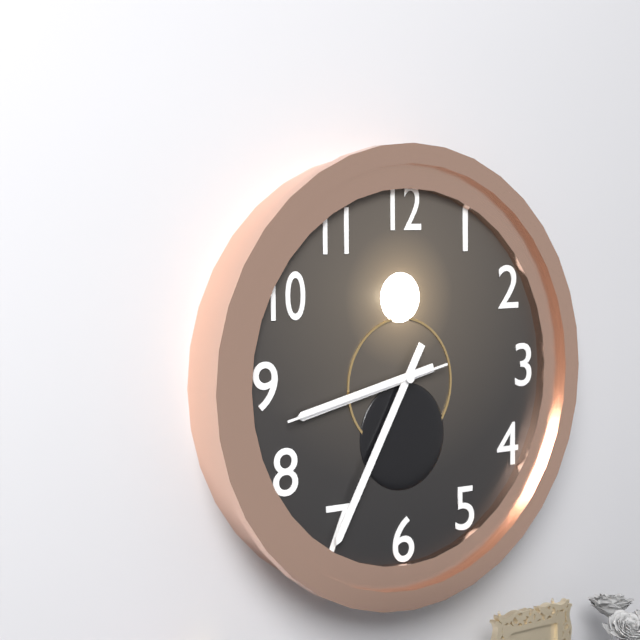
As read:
8.35.43
